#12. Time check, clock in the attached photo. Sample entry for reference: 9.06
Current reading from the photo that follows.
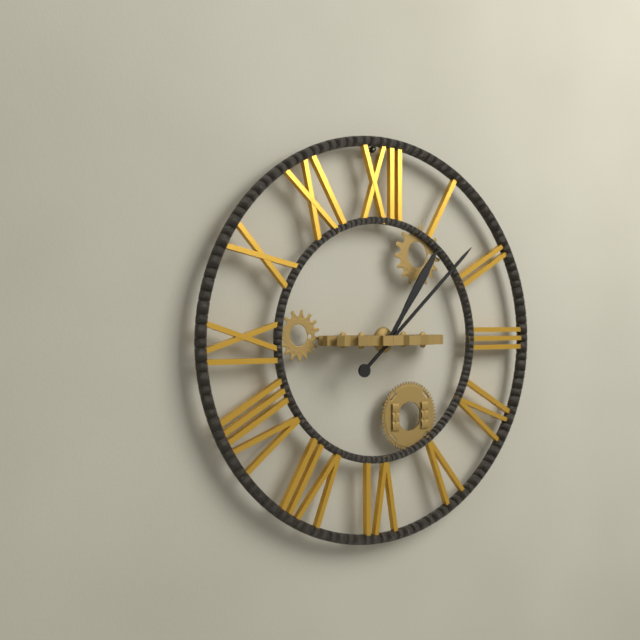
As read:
1.08
